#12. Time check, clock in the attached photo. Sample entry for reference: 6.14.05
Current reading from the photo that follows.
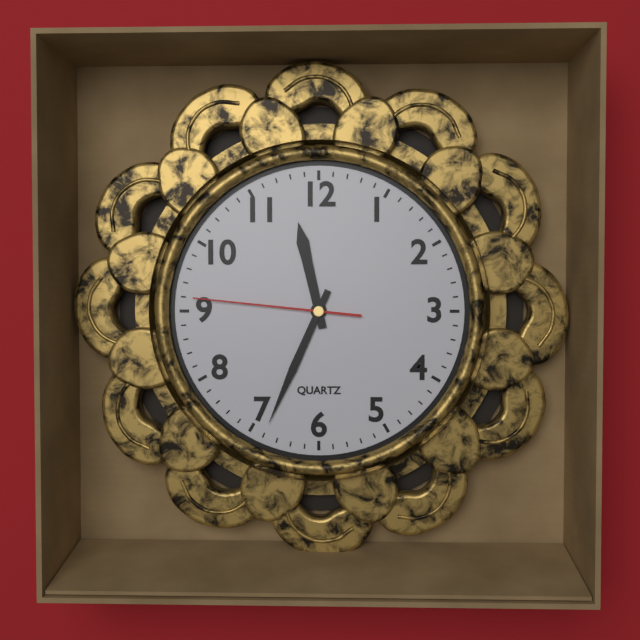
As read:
11.34.46
